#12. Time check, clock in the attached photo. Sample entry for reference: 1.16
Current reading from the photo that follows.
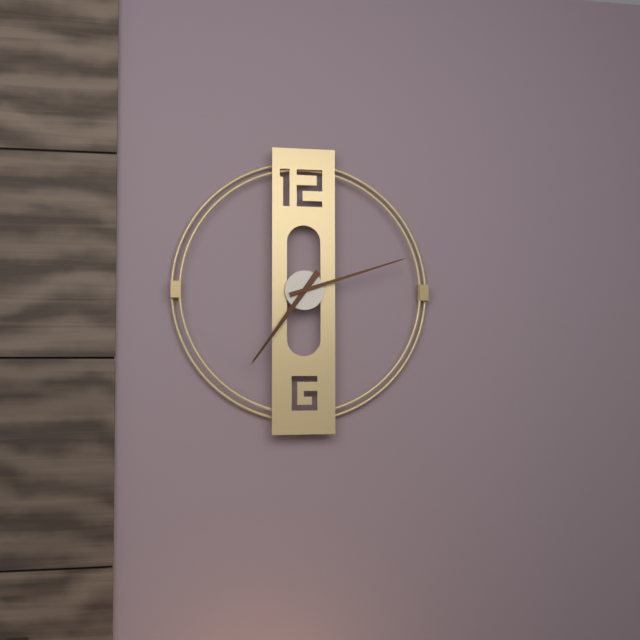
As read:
7.12
